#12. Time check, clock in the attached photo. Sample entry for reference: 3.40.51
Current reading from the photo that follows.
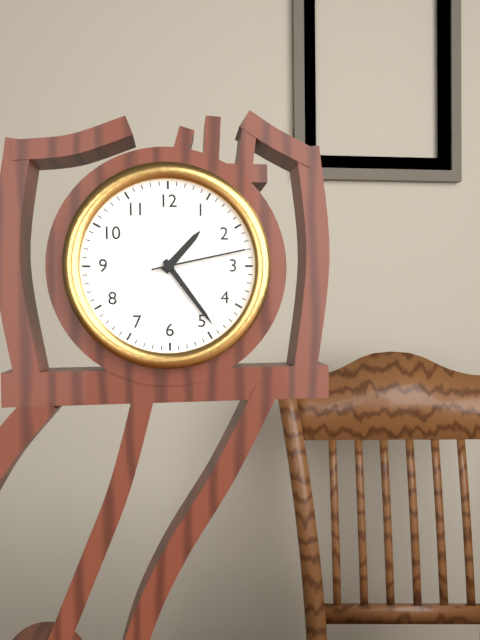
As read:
1.24.13
